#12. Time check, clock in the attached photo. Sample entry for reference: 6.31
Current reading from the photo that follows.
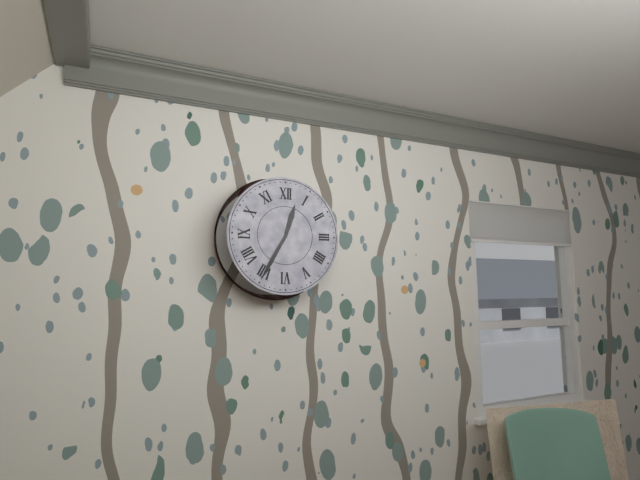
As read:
12.35
